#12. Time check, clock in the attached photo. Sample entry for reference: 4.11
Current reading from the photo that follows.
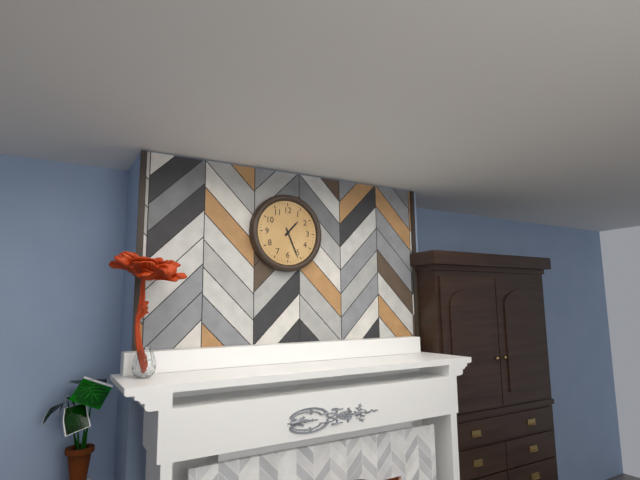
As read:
1.26
